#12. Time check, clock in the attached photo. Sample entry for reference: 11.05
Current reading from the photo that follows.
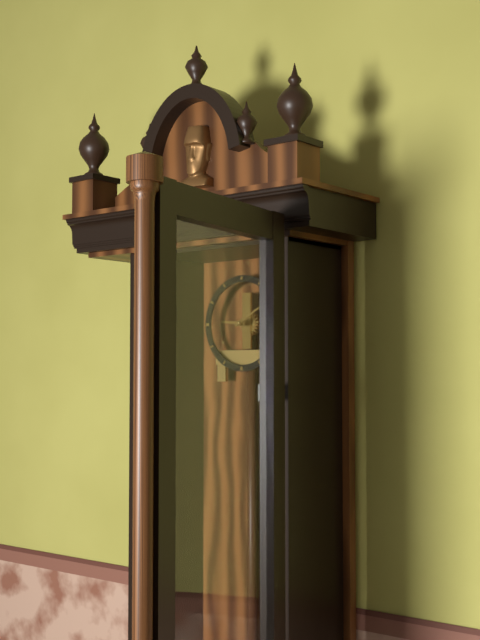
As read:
9.10
